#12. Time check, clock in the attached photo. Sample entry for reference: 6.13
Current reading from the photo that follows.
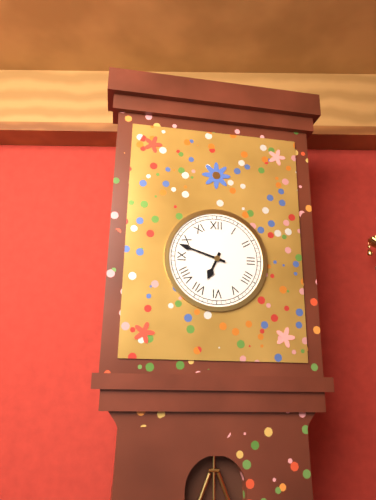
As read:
6.48
